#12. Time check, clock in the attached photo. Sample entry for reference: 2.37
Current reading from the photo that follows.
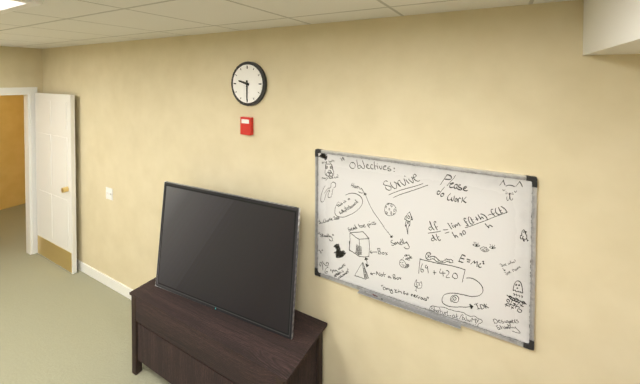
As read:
9.30
